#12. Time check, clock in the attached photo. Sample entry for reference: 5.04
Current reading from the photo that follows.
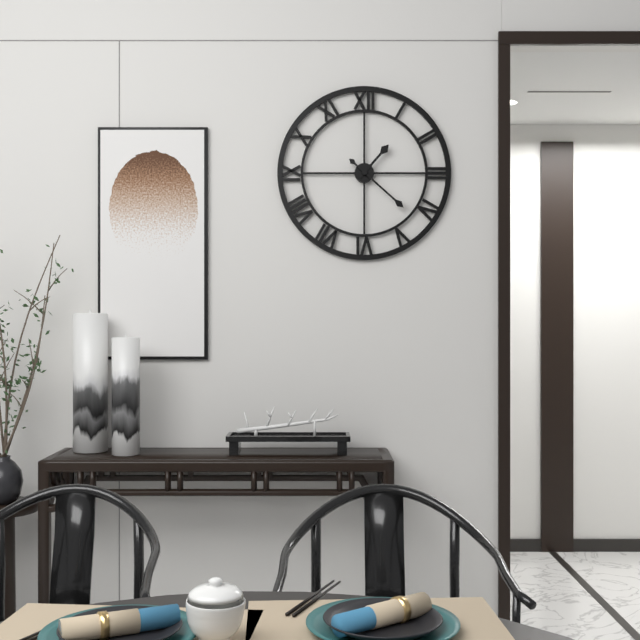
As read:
1.22
